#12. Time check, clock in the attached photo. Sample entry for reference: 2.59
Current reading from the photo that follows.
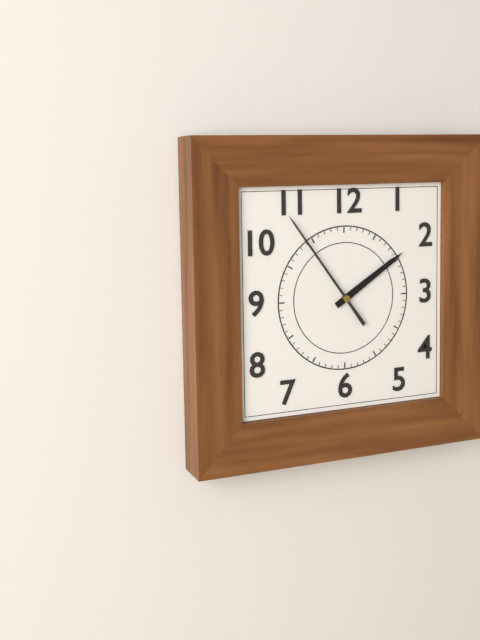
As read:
1.54
